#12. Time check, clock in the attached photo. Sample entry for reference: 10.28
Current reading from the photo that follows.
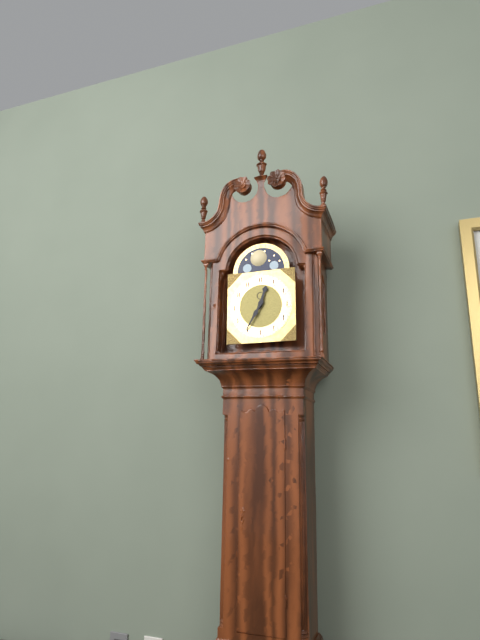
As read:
12.35
